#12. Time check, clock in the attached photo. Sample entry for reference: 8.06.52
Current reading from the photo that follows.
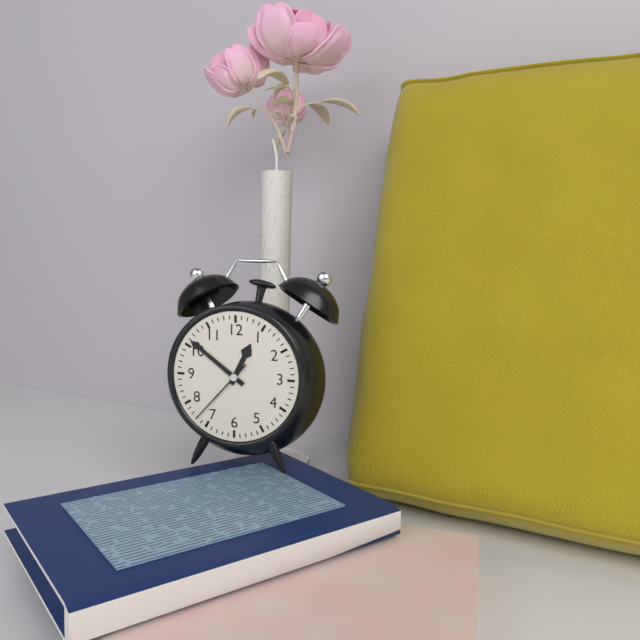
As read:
12.51.37
